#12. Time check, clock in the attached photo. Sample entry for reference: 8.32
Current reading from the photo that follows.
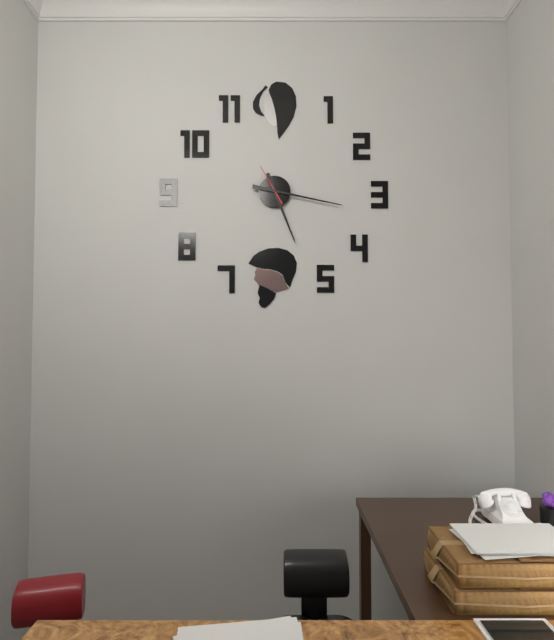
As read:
5.17
